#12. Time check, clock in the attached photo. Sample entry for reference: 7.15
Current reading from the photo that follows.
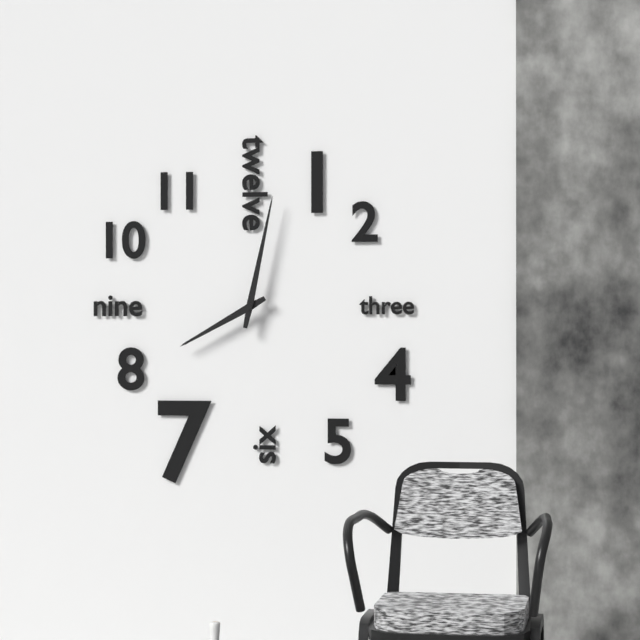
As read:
8.02
